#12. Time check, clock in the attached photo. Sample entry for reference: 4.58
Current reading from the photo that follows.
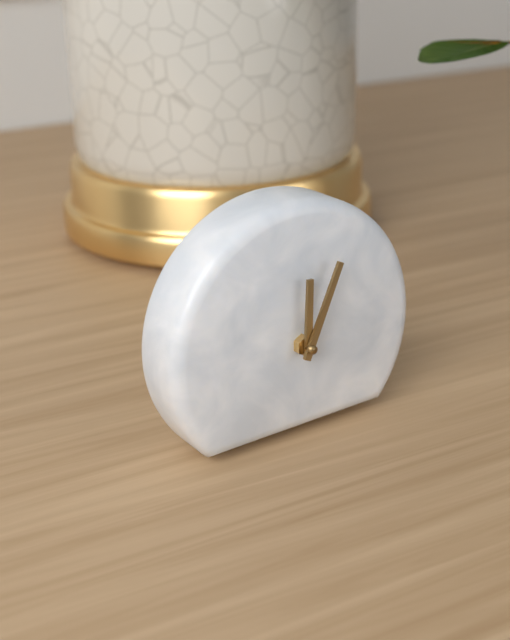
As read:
12.04
